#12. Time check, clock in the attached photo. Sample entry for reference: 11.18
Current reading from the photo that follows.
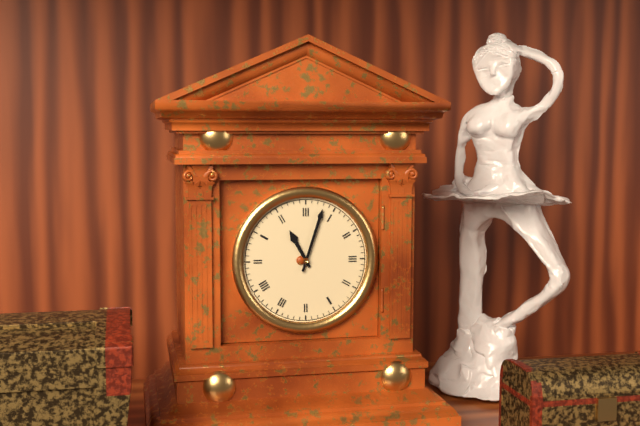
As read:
11.03
